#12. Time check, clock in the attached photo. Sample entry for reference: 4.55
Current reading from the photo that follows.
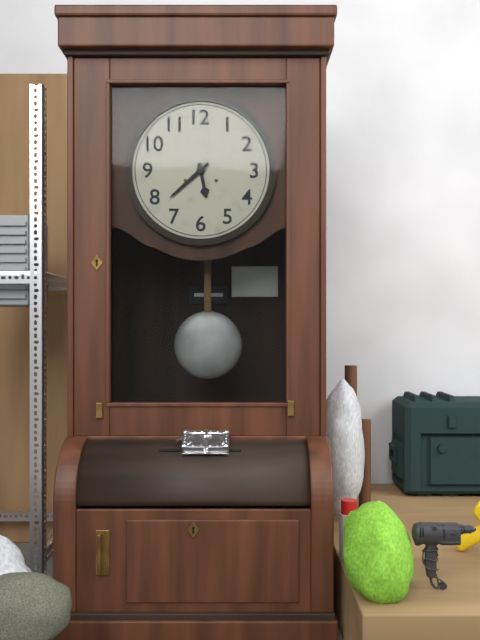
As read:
5.38
